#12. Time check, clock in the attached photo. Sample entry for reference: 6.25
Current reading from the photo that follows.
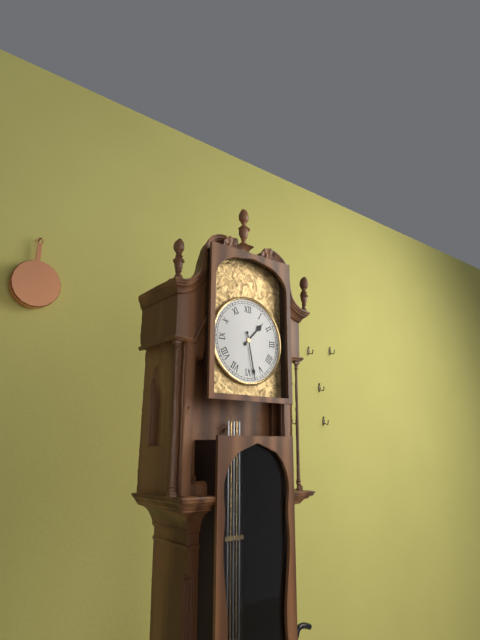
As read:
1.28
